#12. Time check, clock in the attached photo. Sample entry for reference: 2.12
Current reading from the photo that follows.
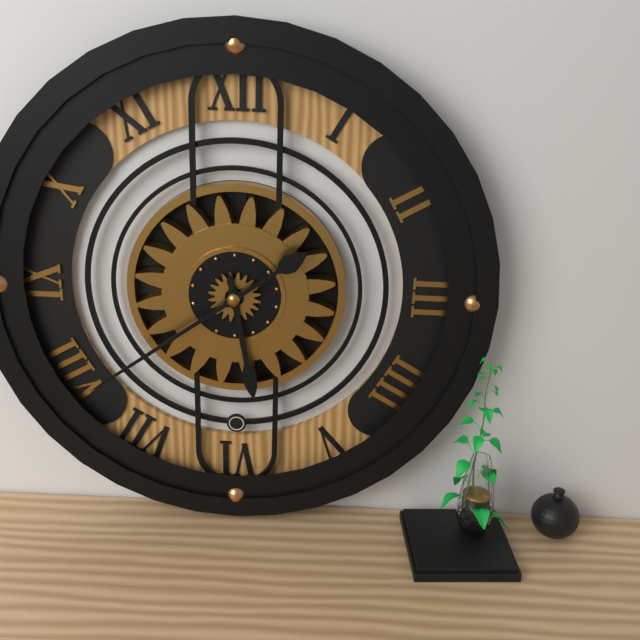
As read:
5.39
